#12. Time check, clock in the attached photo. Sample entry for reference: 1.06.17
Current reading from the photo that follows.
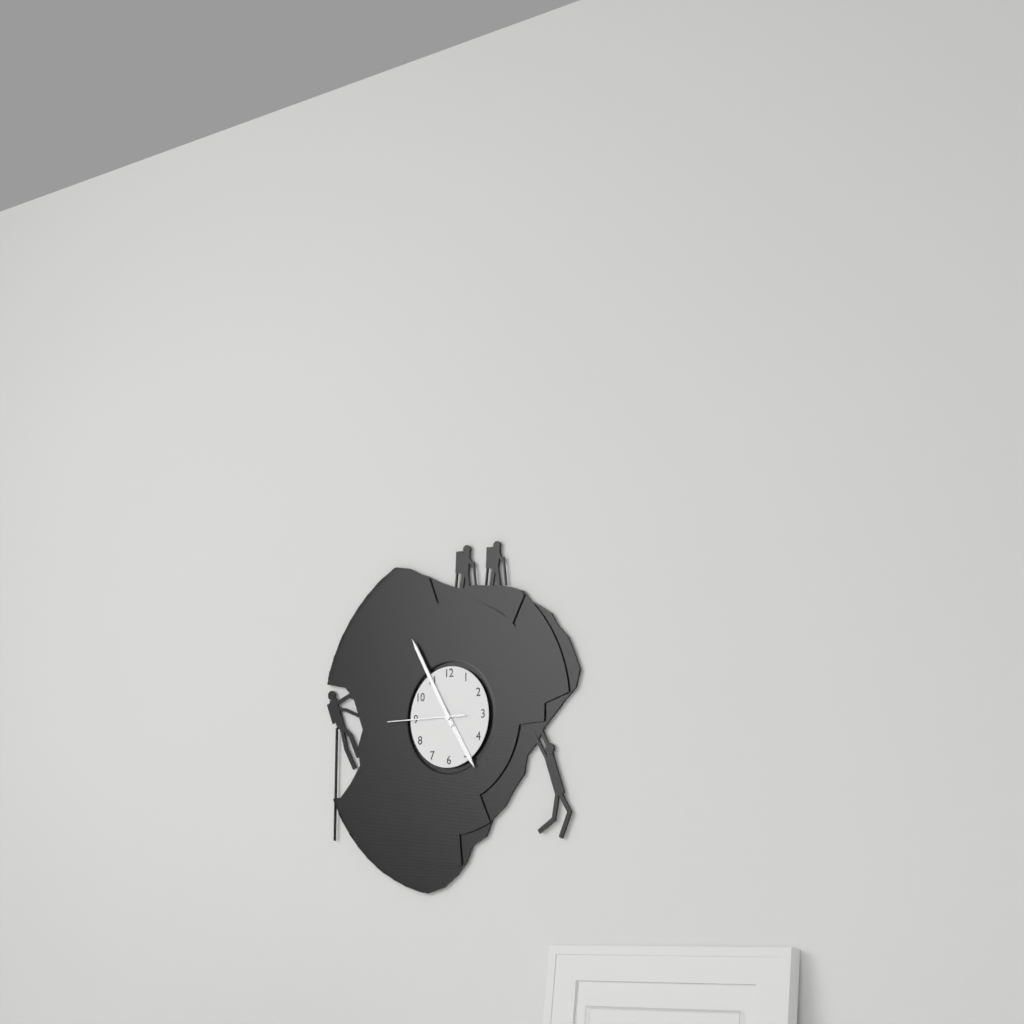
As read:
4.55.45
